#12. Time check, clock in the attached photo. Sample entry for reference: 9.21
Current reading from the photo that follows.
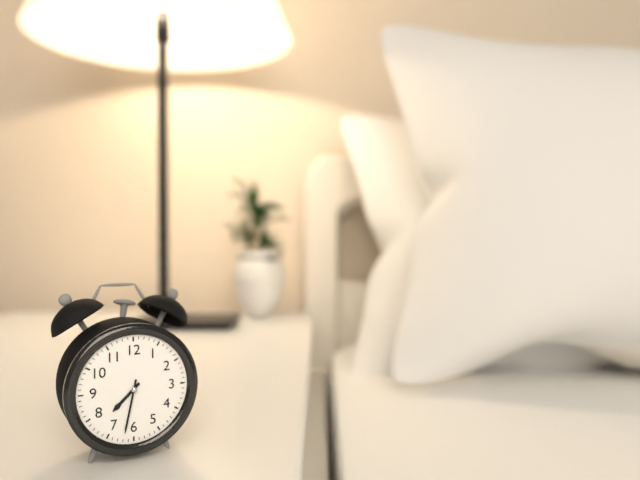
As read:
7.32
